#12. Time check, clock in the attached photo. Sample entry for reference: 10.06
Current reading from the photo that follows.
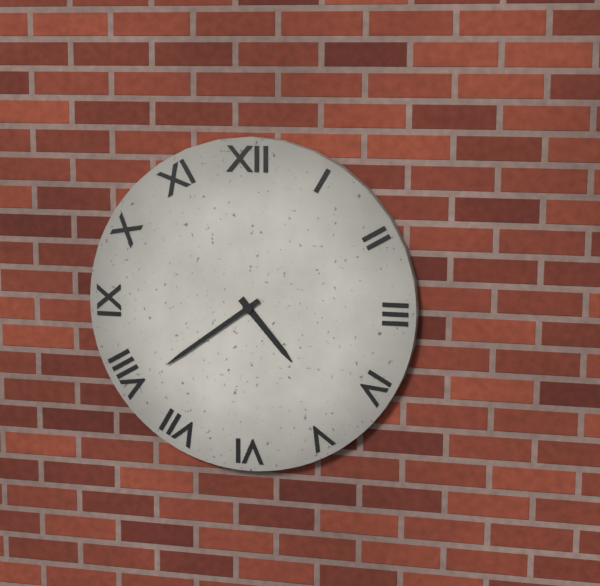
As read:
4.39
